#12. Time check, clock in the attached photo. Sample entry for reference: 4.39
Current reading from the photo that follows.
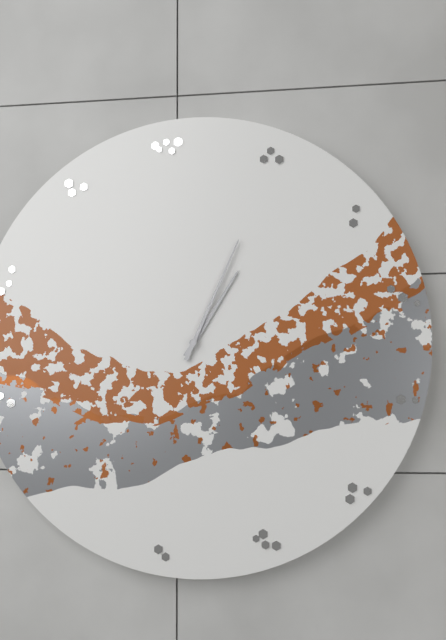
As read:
1.04
